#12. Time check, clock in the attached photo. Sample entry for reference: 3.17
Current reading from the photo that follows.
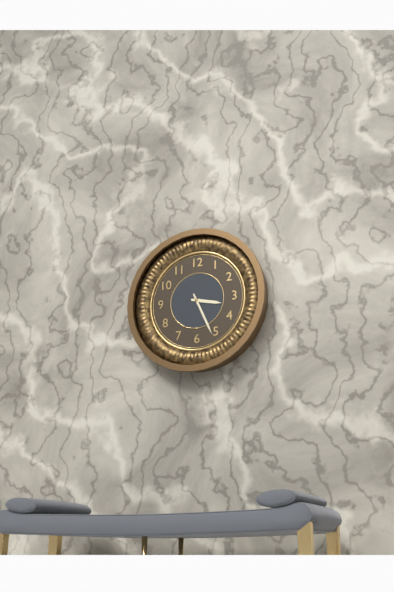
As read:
3.26
